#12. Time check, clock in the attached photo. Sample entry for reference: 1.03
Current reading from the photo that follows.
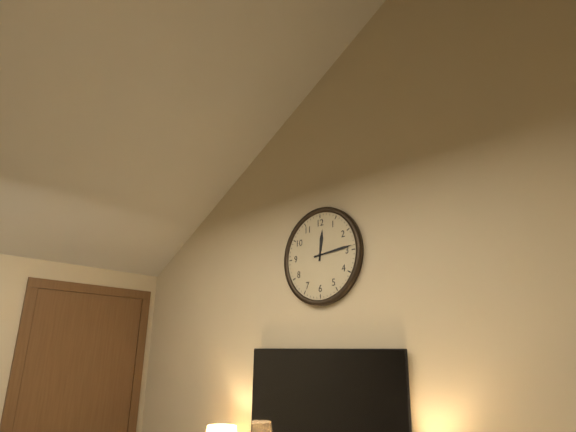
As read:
12.14
